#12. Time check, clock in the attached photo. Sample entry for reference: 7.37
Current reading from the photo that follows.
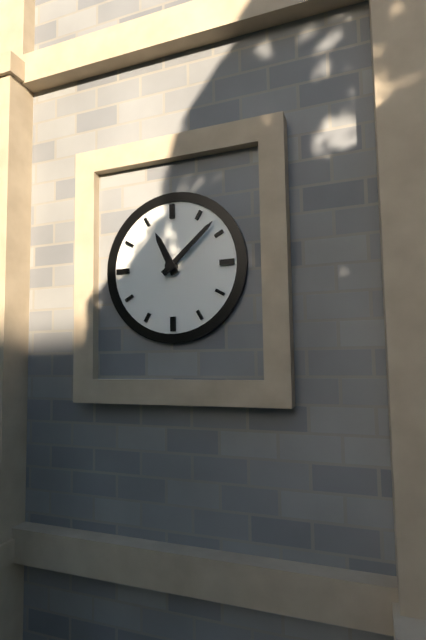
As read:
11.08
